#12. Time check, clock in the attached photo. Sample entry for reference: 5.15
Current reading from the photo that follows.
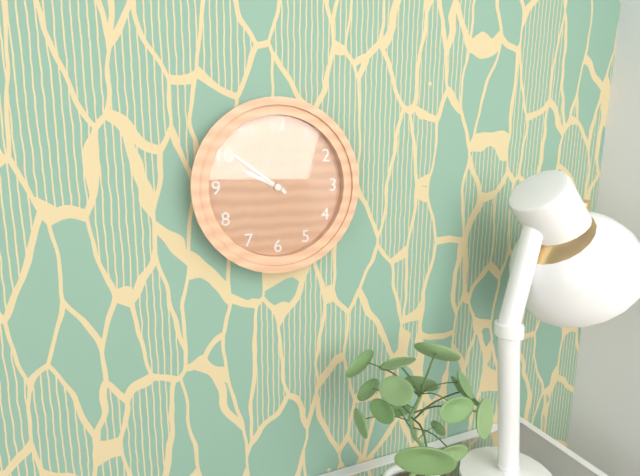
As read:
9.51
